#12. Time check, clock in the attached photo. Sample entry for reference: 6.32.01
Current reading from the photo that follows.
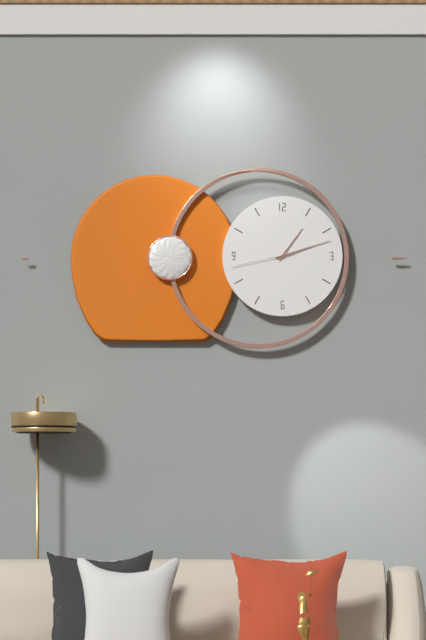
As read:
1.12.43
